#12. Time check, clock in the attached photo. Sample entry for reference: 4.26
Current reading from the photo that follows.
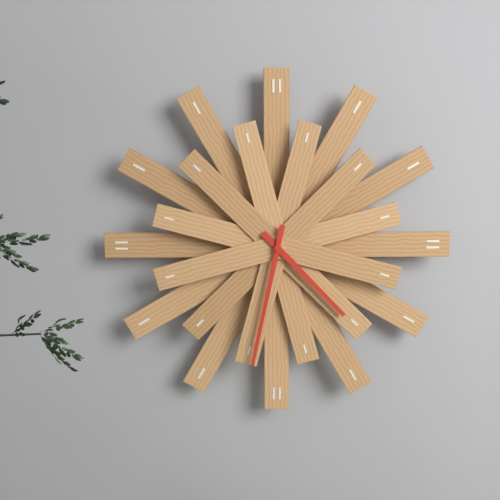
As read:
4.32
